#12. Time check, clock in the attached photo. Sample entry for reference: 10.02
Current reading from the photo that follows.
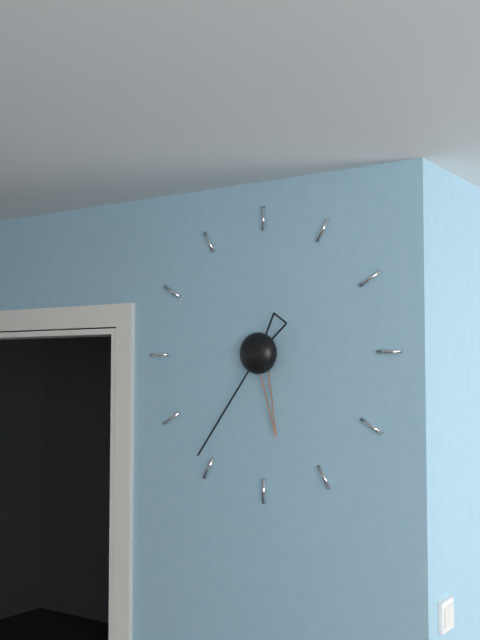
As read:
5.36
